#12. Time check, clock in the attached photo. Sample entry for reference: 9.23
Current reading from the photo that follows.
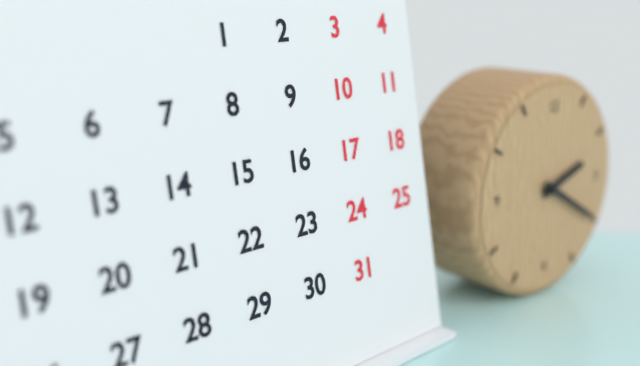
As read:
2.20
